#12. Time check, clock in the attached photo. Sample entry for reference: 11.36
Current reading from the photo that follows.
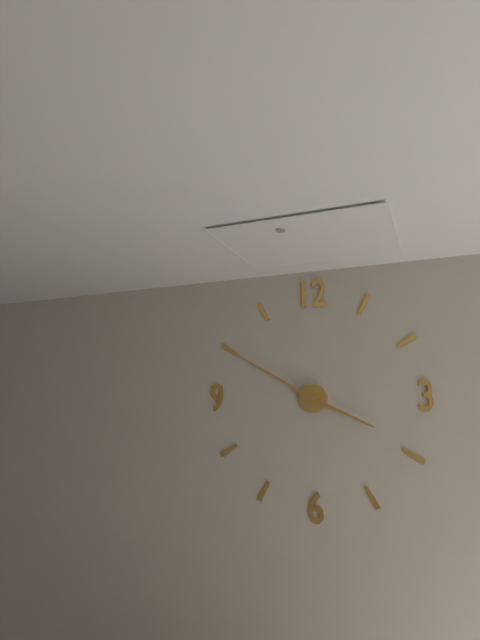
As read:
3.50
